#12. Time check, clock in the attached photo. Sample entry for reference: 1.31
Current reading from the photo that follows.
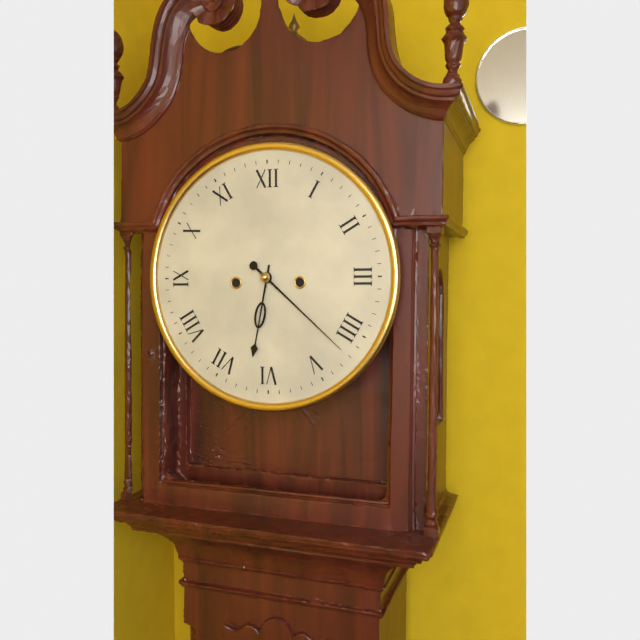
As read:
6.22
